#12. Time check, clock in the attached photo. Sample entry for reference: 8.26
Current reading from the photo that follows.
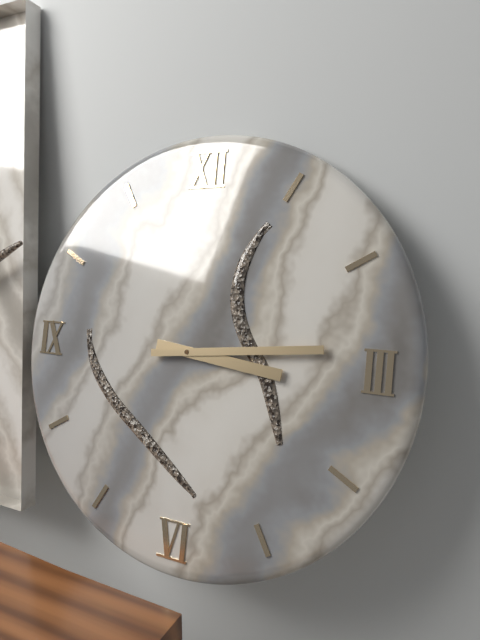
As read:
3.14
